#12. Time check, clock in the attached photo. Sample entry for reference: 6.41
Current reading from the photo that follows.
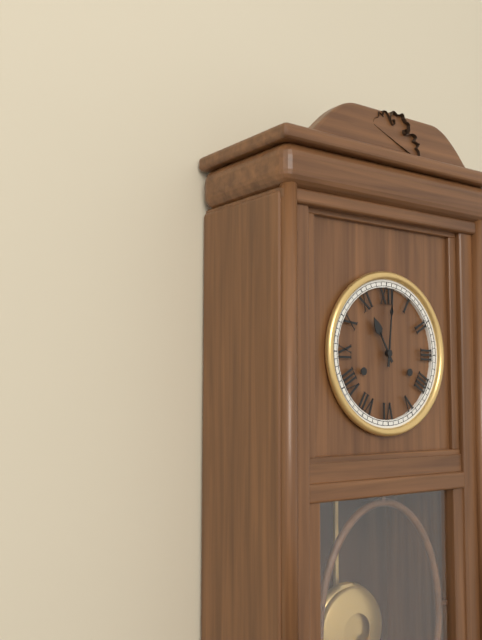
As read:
11.01
